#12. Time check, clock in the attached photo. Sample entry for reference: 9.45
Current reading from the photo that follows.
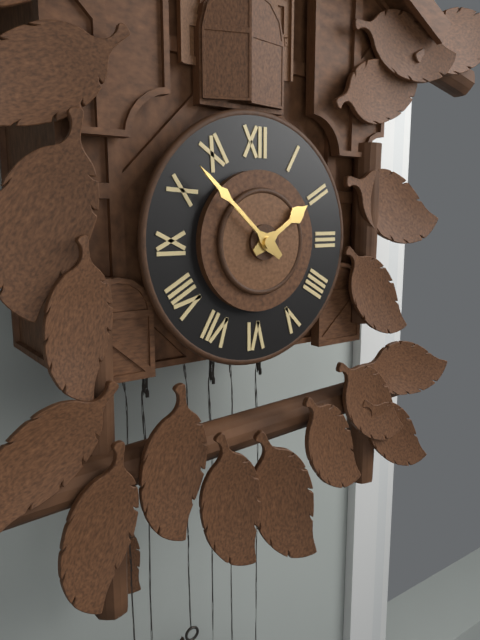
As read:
1.52
